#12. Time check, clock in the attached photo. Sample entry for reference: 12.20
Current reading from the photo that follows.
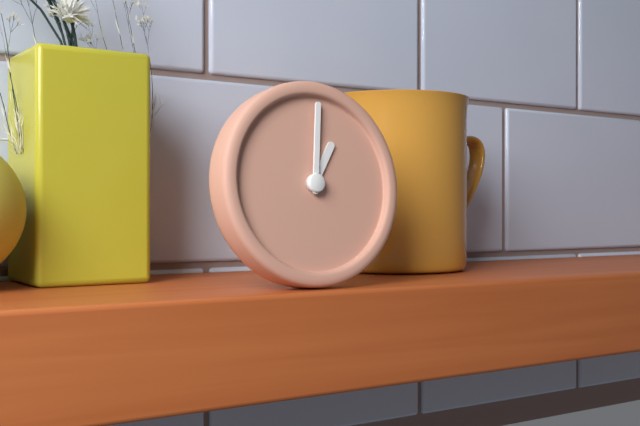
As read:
1.01
